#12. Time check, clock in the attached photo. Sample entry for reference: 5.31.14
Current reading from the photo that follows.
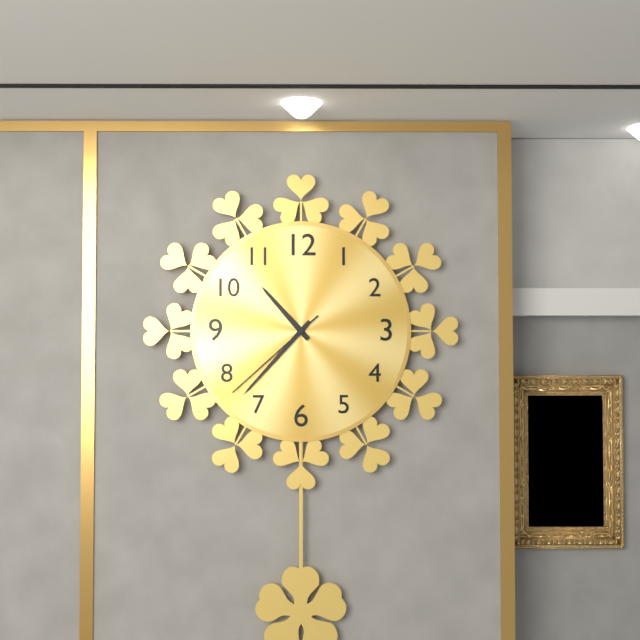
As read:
10.37.38
